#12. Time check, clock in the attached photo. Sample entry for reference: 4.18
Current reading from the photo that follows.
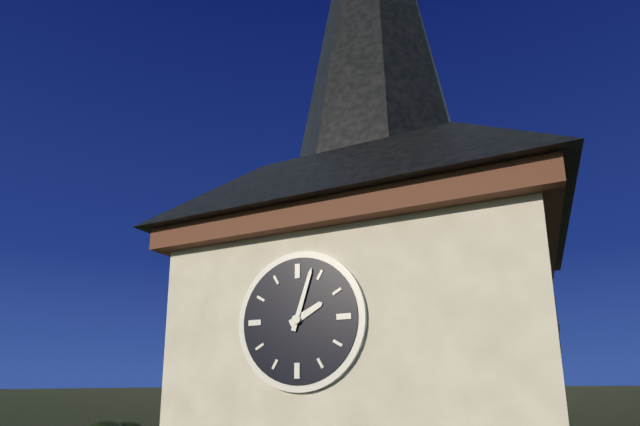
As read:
2.03
